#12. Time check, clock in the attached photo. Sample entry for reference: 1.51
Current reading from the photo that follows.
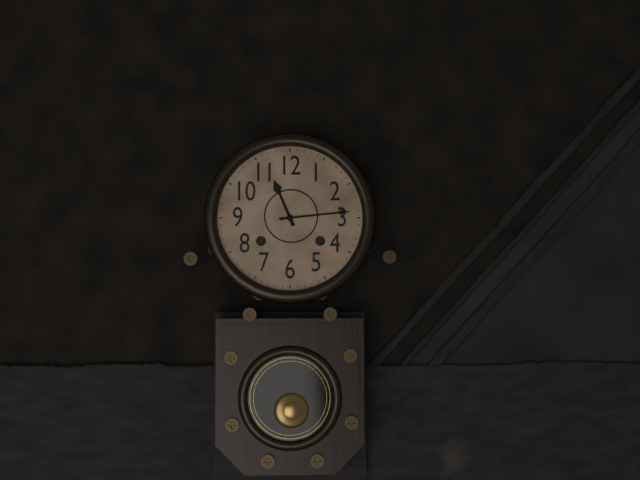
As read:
11.14
